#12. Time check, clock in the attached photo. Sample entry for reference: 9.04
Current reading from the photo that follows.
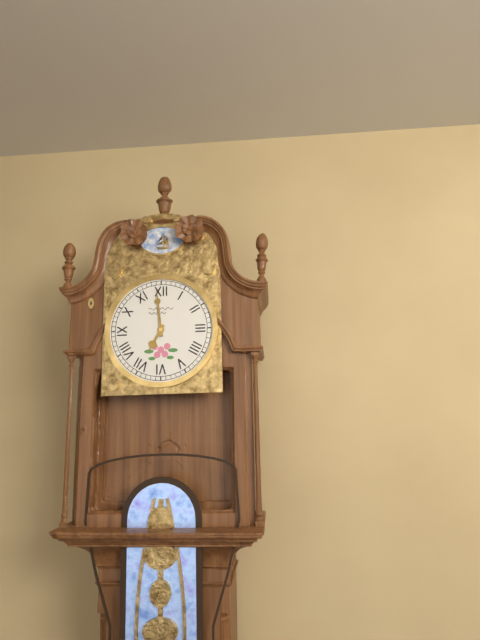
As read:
6.59
